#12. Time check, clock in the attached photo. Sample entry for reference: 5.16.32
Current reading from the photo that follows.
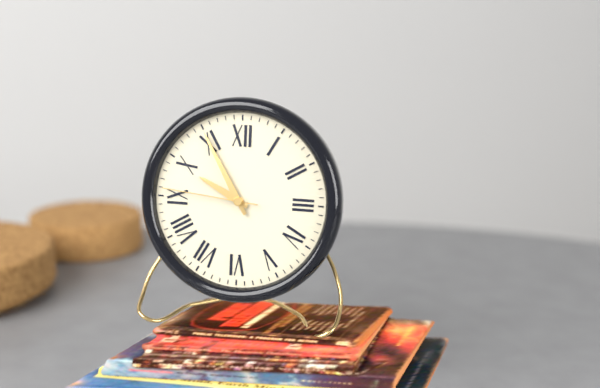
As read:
9.55.46
